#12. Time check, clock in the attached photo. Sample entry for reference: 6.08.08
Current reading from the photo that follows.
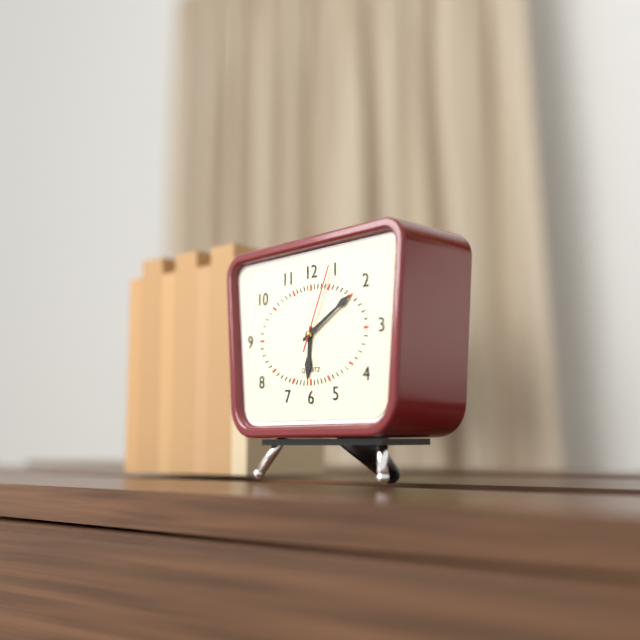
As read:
6.10.04
